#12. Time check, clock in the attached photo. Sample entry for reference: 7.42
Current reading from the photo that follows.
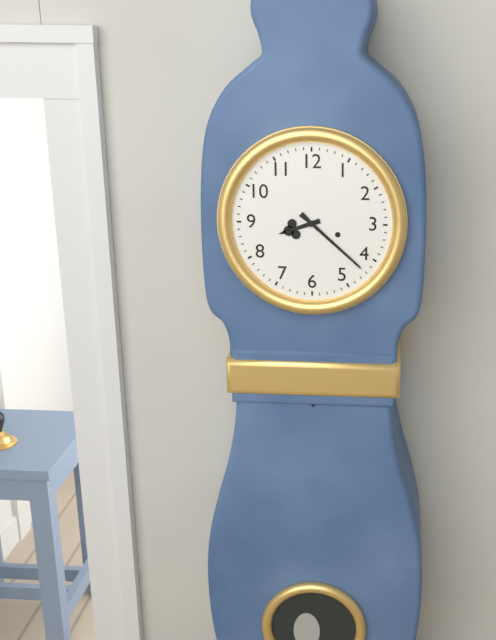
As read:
8.22
